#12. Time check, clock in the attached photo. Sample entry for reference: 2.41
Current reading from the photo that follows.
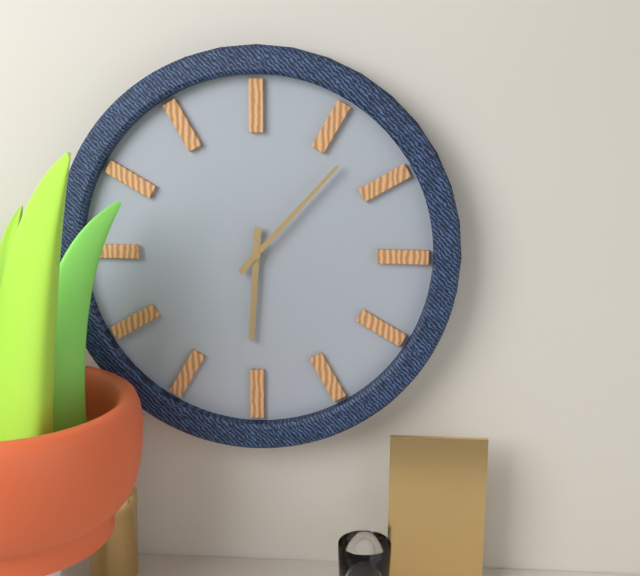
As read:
6.07
